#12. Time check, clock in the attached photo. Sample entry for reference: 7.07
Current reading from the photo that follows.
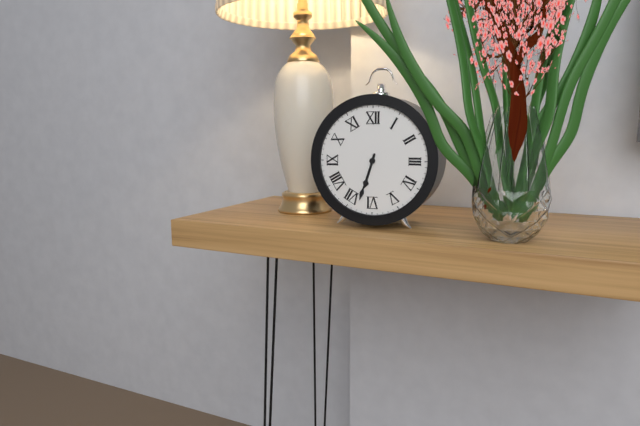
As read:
6.33
